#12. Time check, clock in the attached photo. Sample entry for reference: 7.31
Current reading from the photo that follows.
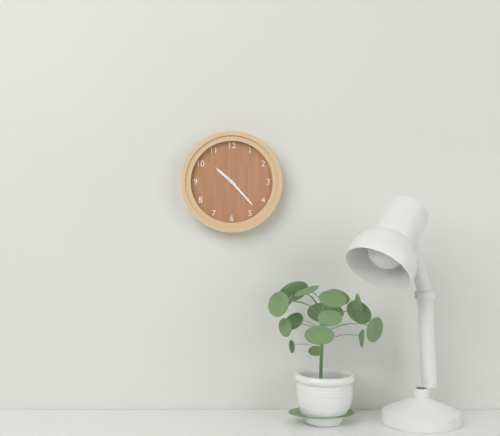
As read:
10.23
